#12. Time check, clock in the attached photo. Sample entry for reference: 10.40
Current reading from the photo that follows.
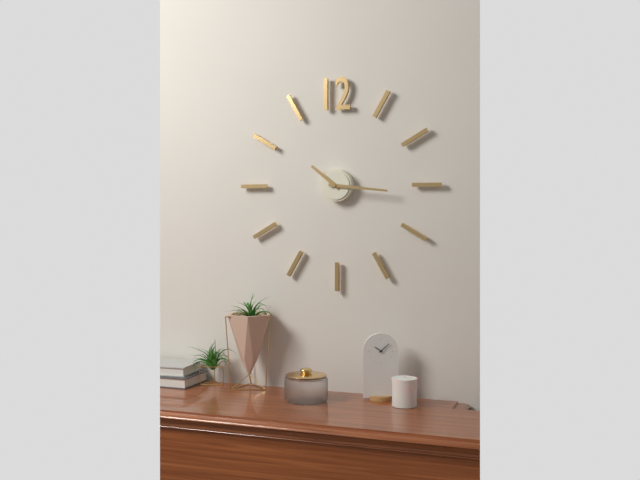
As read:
10.16
